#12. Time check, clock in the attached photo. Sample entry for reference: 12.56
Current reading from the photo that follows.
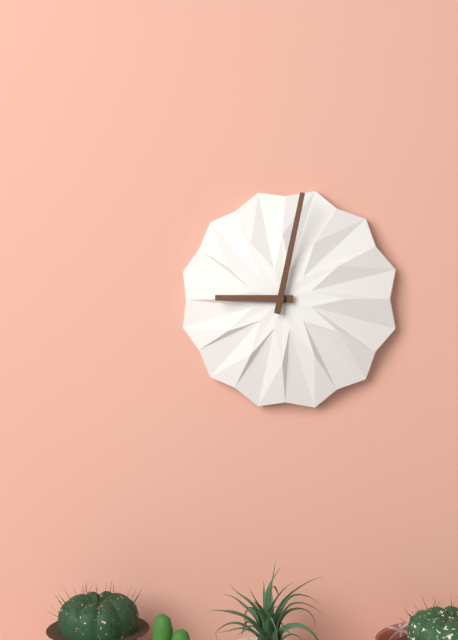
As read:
9.02
